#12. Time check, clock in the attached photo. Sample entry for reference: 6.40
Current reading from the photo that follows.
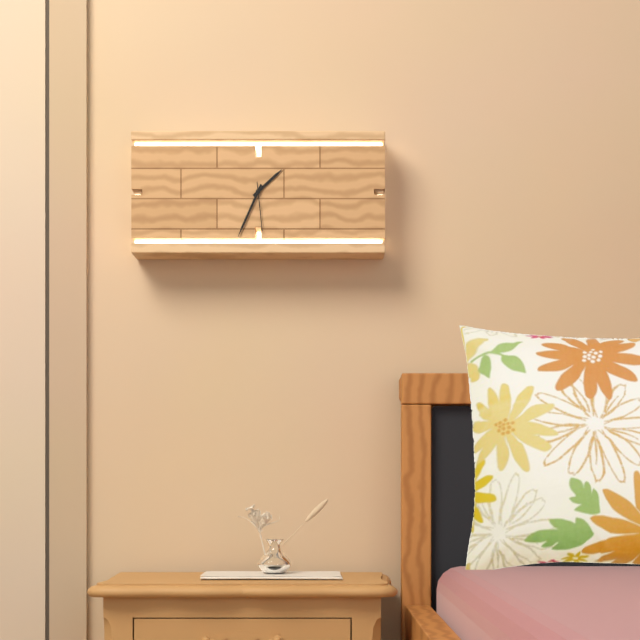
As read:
1.34
